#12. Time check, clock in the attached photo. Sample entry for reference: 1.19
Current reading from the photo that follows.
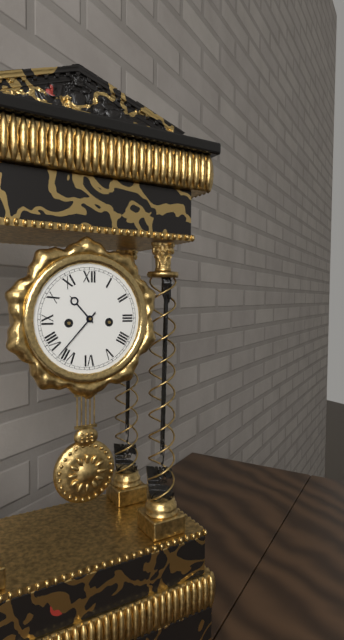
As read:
10.37
